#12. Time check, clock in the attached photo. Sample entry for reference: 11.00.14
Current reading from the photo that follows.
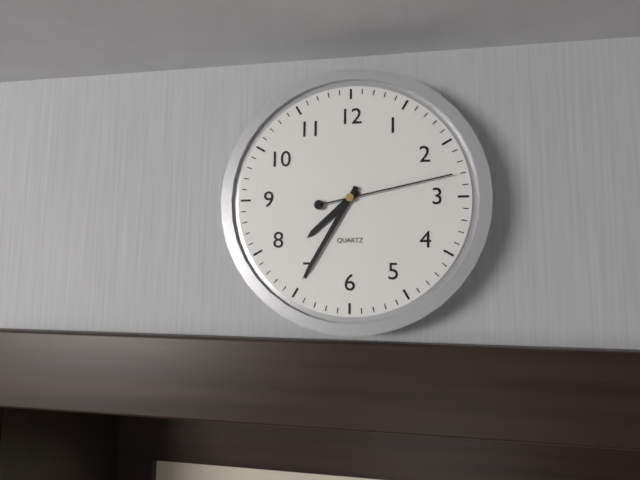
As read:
7.35.13
